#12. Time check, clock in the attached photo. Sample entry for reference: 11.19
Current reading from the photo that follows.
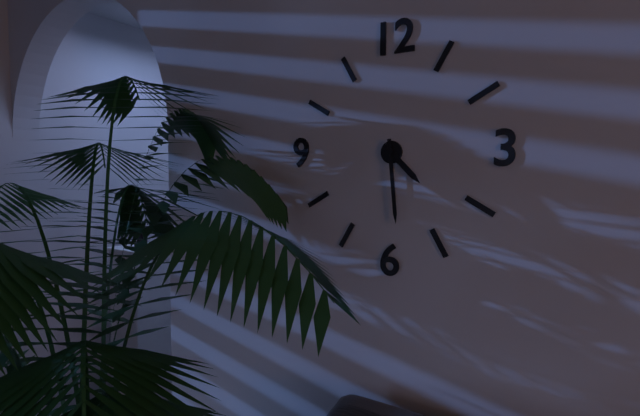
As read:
4.29
